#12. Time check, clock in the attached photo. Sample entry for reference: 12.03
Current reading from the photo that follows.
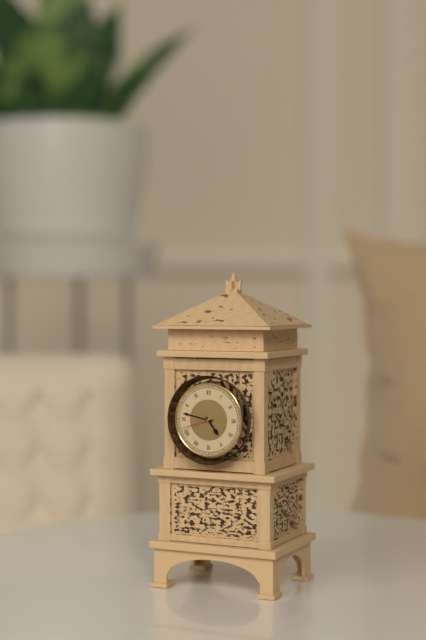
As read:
4.47
